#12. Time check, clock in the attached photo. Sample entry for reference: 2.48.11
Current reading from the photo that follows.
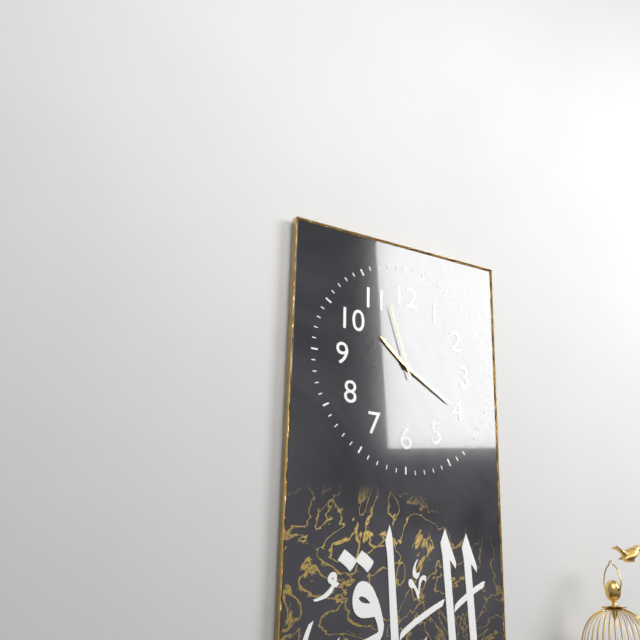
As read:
10.20.57
